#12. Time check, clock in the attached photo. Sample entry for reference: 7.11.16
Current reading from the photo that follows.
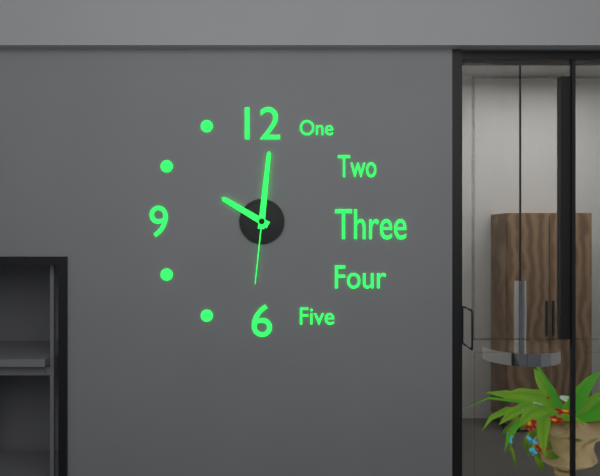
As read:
10.01.31
